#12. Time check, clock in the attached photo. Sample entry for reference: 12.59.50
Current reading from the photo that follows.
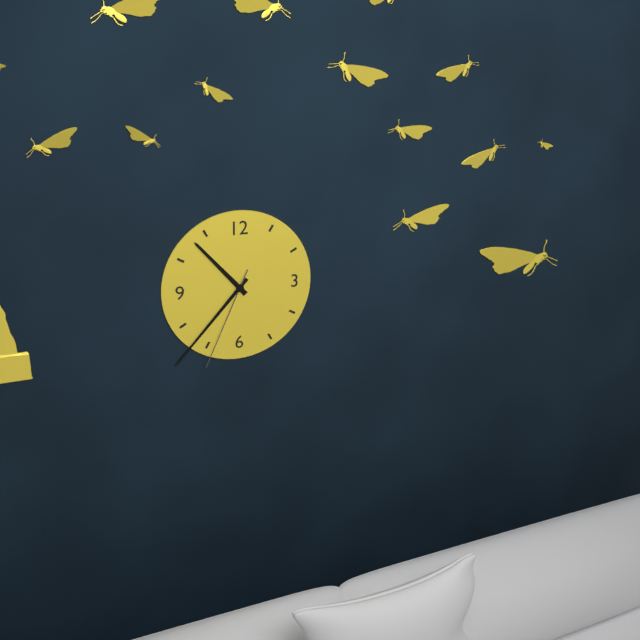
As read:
10.37.34
